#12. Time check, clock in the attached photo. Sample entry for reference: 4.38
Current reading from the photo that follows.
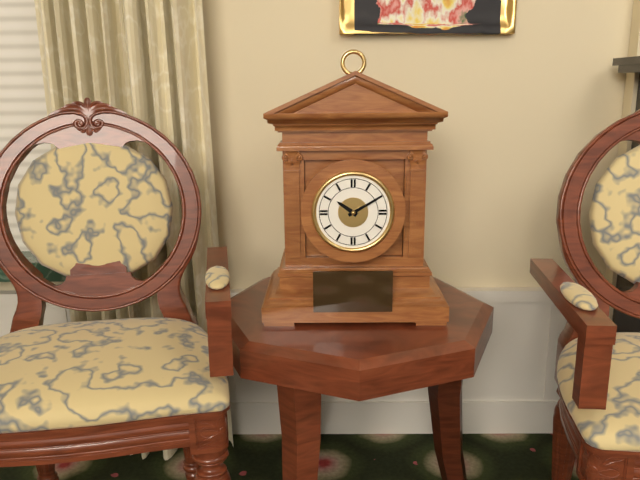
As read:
10.10
